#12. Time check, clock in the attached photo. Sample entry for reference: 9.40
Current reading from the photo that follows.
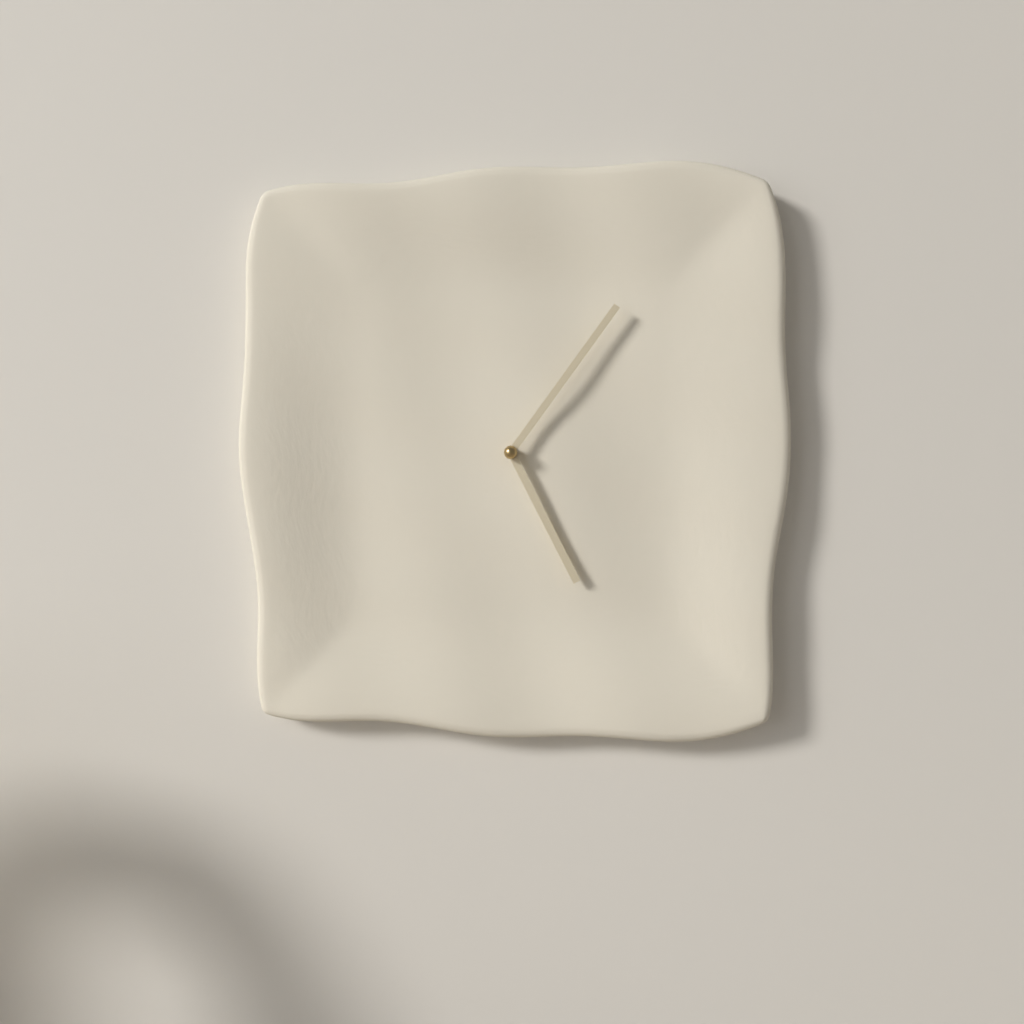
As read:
5.06
